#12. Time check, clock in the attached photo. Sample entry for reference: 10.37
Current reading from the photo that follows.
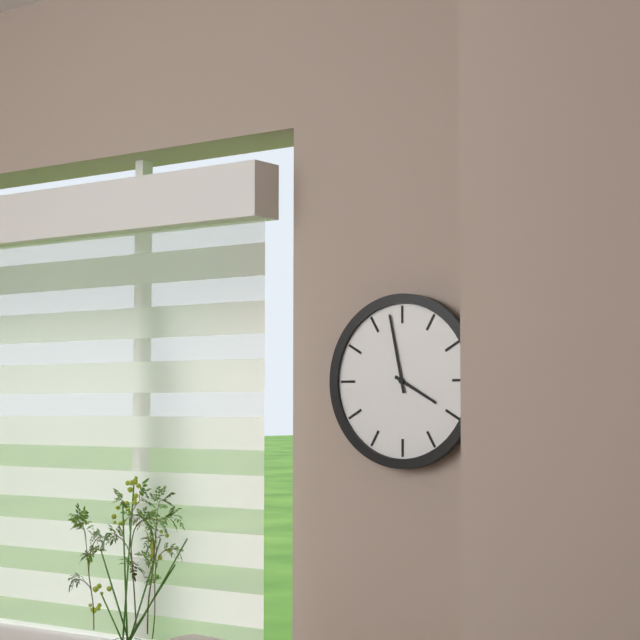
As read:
3.58
